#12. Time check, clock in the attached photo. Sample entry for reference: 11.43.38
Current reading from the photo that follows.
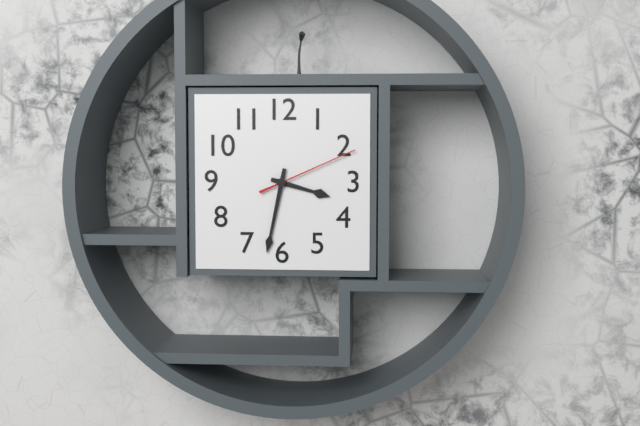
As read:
3.32.11
